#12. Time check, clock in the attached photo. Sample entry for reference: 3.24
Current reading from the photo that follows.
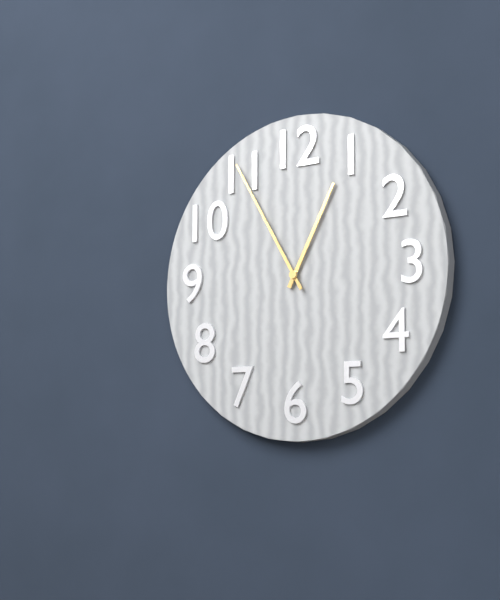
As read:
12.55
